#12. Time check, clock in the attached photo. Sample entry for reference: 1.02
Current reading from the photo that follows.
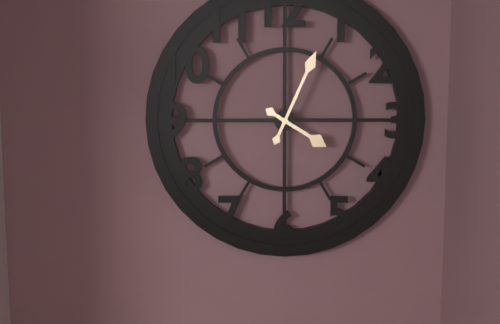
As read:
4.04
